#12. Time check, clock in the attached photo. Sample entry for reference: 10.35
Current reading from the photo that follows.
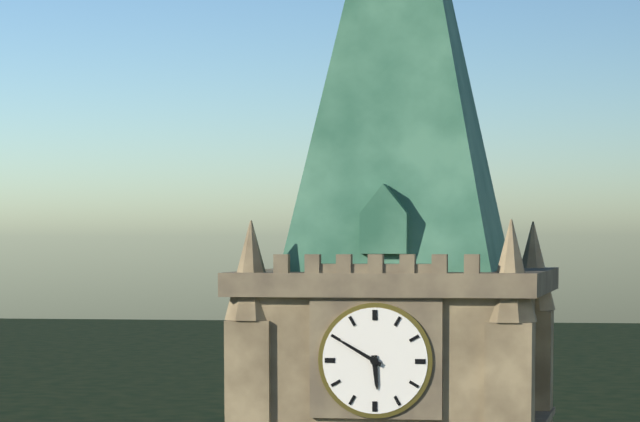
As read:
5.50
